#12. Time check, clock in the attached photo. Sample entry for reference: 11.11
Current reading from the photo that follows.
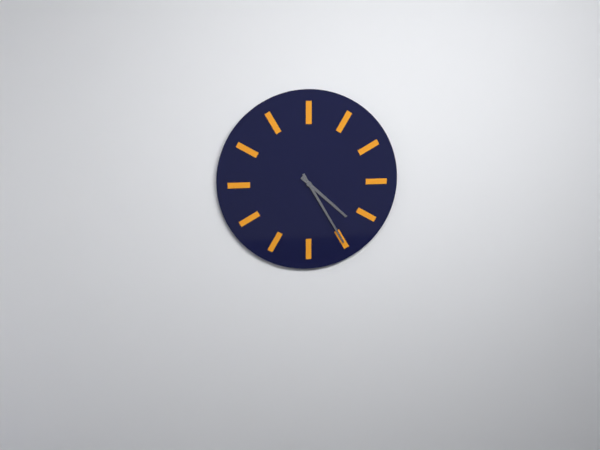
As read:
4.25
